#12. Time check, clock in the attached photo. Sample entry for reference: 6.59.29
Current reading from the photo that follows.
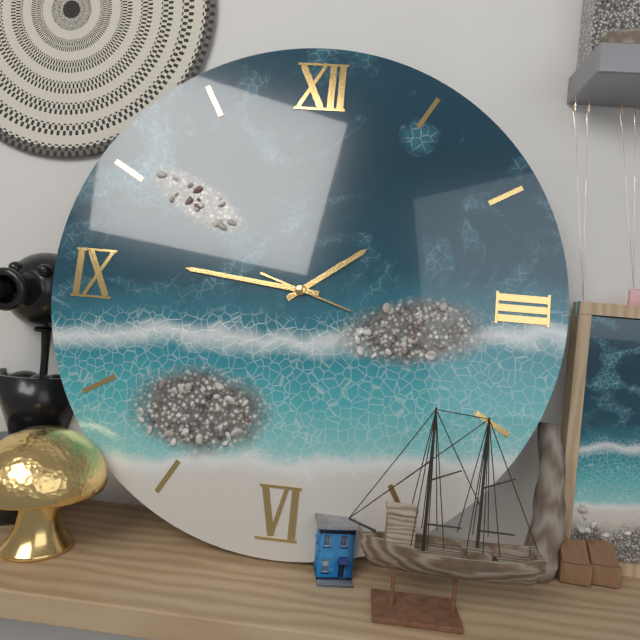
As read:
1.46.18
